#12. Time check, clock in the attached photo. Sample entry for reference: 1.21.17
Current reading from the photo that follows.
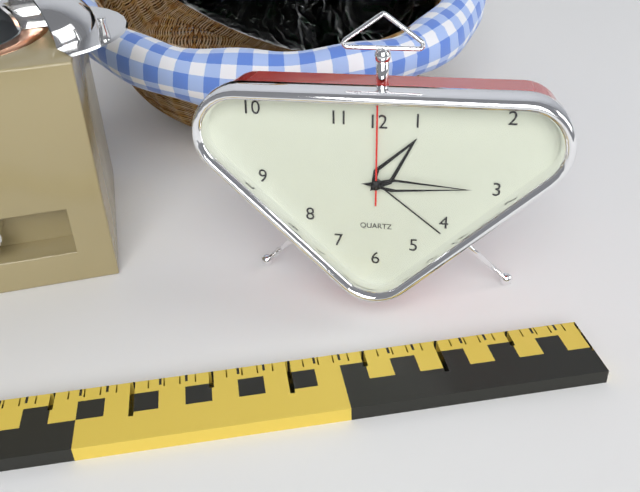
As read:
1.15.00
